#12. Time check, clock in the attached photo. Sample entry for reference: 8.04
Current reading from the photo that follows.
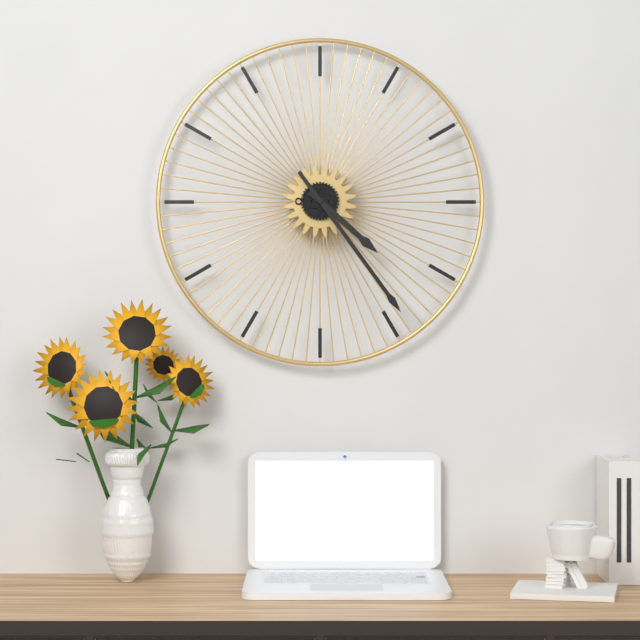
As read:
4.24
